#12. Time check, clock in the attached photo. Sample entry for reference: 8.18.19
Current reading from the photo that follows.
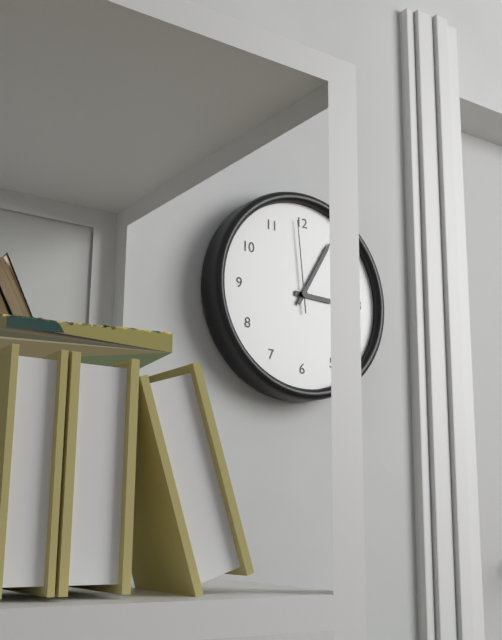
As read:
3.05.59
